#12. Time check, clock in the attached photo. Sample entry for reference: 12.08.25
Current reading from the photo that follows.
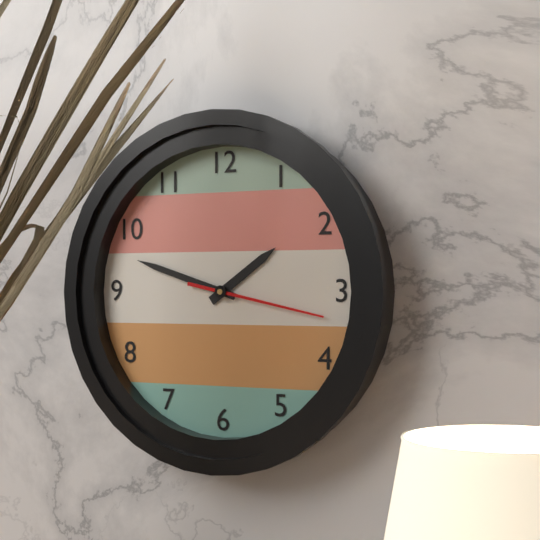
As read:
1.48.17
